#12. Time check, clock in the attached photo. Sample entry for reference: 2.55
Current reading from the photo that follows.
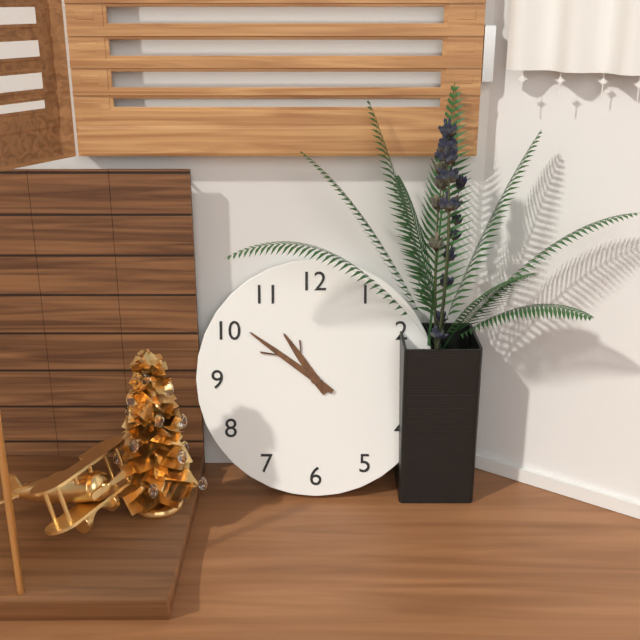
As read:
10.51
